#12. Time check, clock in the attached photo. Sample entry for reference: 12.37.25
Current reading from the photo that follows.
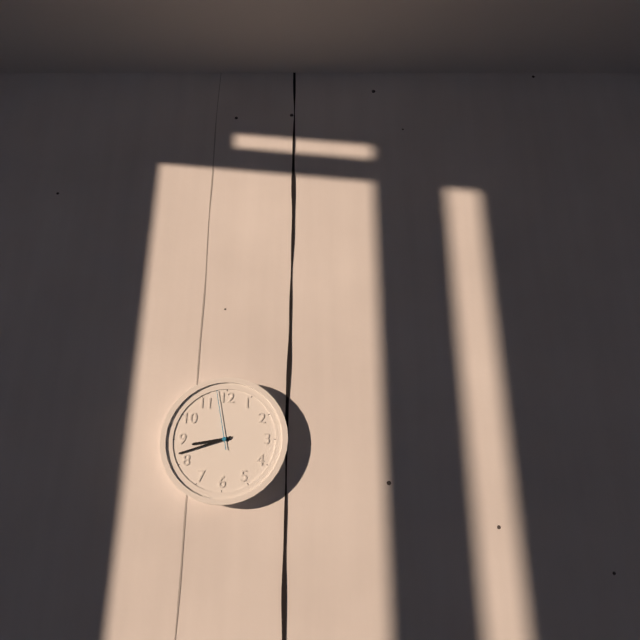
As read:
8.42.58
